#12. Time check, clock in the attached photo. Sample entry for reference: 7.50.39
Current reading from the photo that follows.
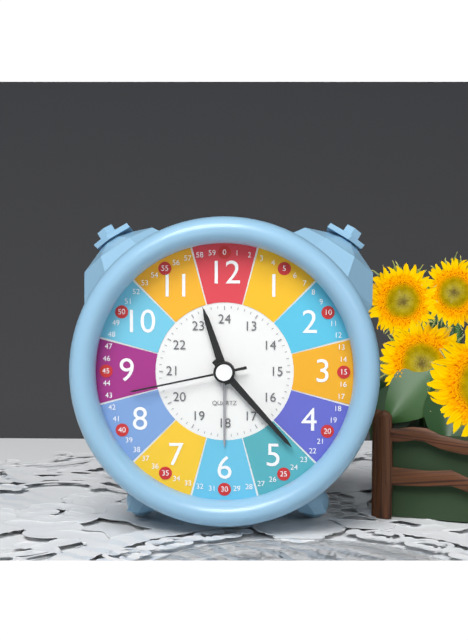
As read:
11.23.43
